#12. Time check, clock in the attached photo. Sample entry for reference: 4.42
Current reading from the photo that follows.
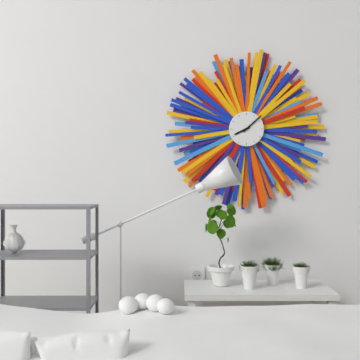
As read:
8.08
